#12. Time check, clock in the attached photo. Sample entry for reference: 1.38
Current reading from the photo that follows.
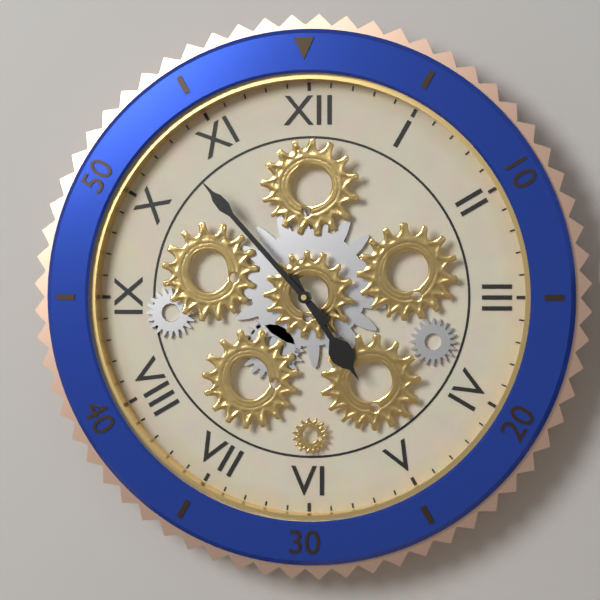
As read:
4.53
